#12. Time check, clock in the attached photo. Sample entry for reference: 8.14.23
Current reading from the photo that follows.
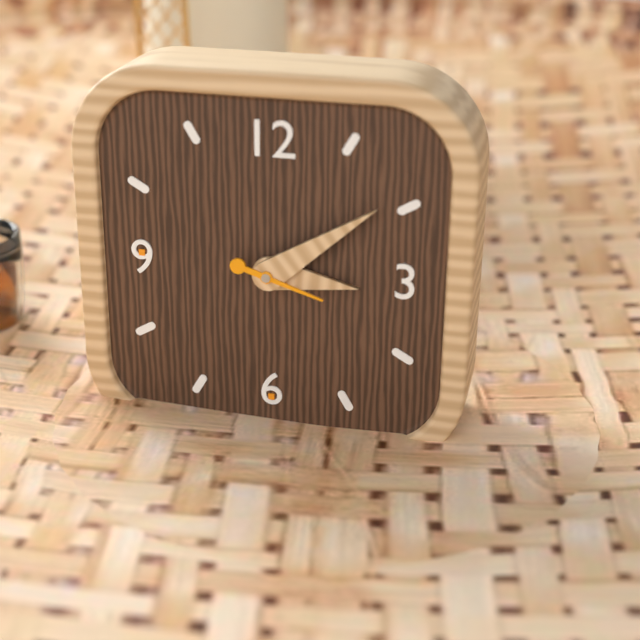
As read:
3.09.18
